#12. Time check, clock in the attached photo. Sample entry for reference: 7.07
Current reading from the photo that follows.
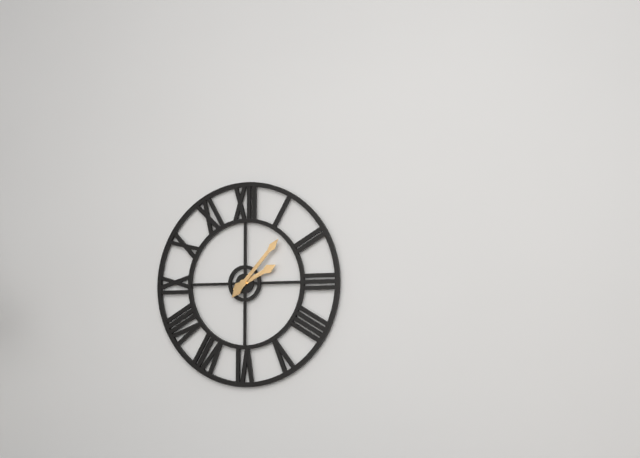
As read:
2.07
